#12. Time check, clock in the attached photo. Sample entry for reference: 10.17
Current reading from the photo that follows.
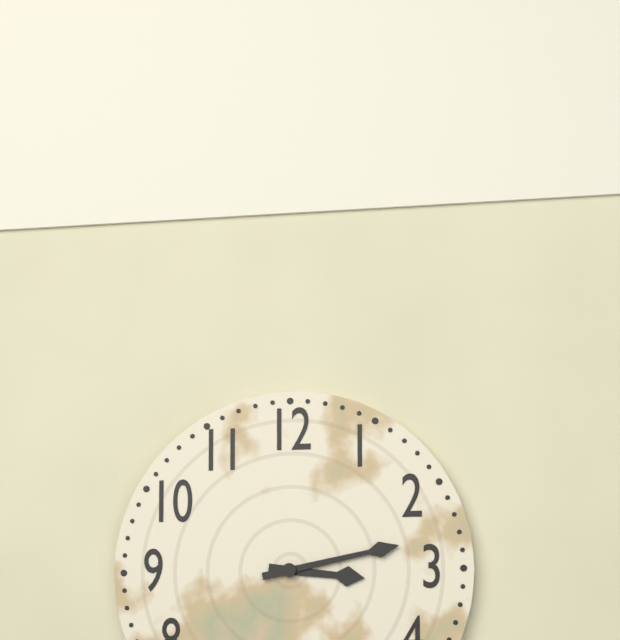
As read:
3.13
